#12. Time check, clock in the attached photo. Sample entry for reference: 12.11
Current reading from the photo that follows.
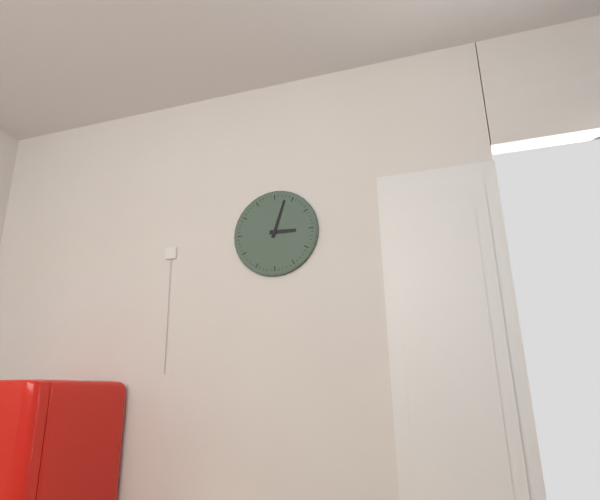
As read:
3.03
